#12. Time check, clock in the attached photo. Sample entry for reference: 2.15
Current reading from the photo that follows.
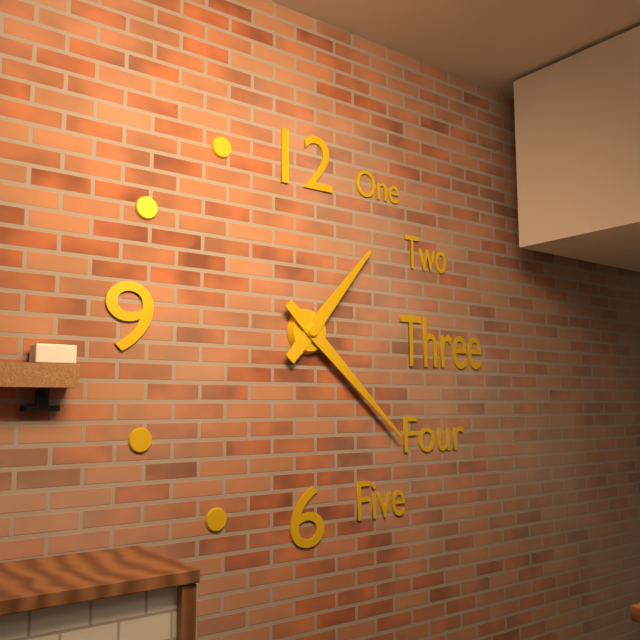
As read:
1.22
